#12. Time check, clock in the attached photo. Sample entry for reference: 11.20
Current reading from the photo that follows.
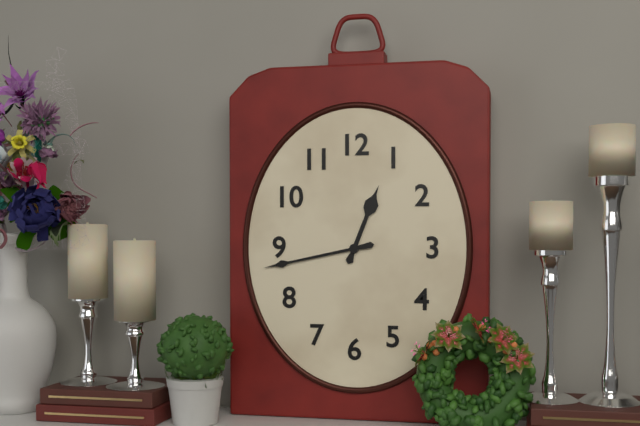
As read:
12.43
